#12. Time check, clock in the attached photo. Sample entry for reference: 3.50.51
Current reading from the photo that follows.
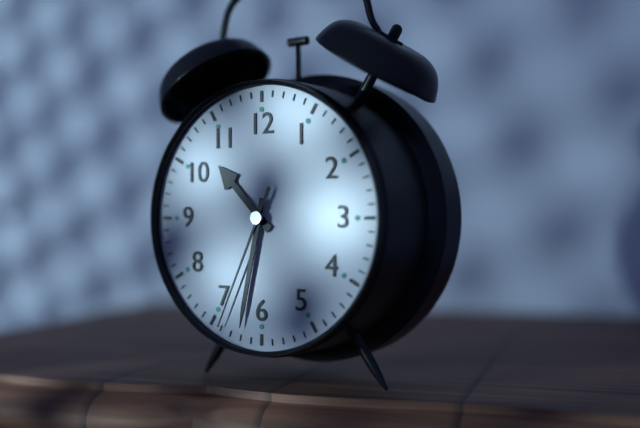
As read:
10.32.34
